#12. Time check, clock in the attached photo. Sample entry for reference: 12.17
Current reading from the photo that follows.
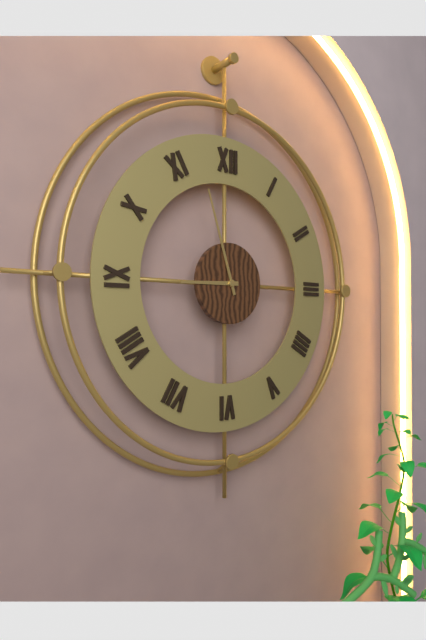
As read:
8.57
